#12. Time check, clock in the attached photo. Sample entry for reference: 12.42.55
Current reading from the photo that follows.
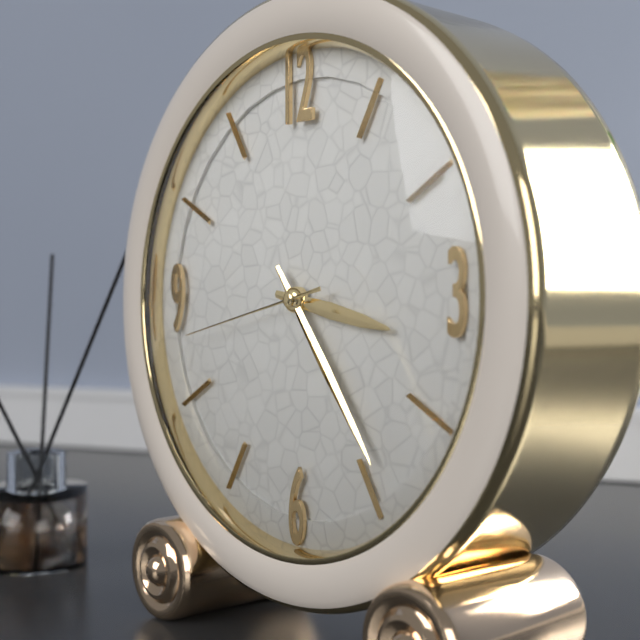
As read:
3.24.43
